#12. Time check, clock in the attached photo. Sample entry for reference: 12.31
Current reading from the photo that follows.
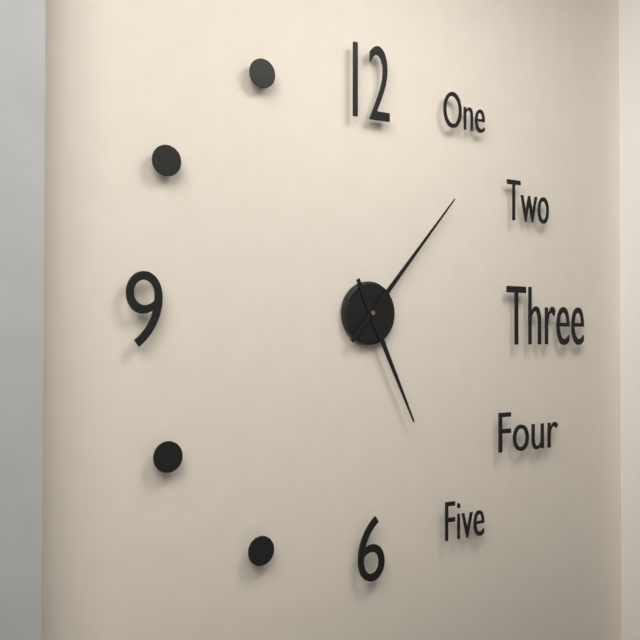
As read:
5.07
